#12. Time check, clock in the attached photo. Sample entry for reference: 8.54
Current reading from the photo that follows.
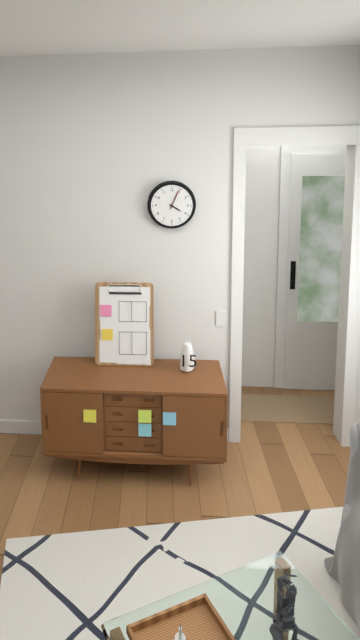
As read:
4.04
